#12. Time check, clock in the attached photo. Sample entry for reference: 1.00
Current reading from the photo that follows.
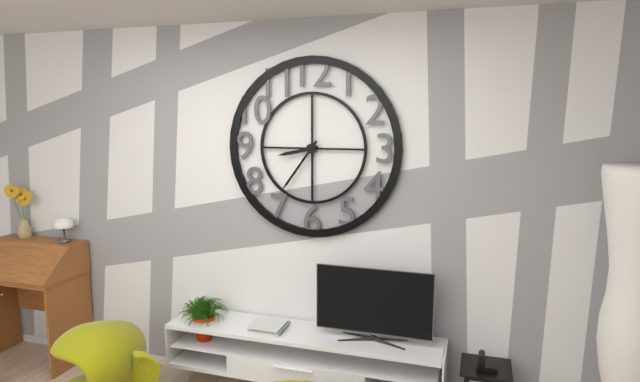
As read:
8.36
